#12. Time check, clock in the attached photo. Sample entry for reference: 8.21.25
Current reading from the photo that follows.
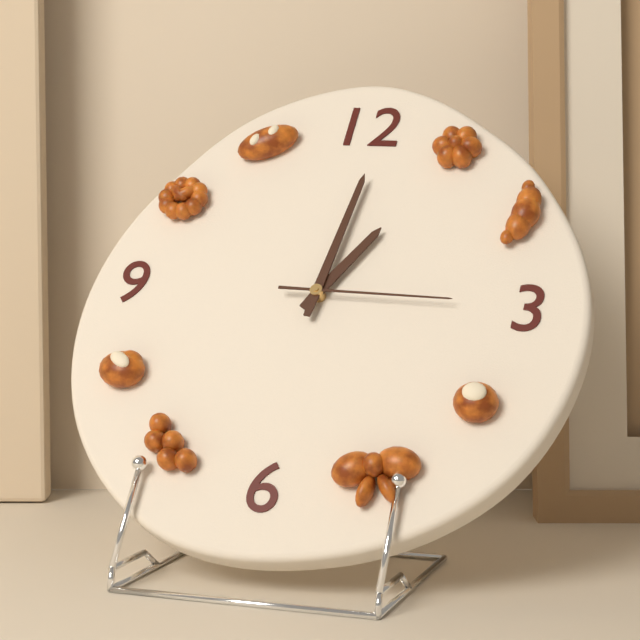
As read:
1.01.15
